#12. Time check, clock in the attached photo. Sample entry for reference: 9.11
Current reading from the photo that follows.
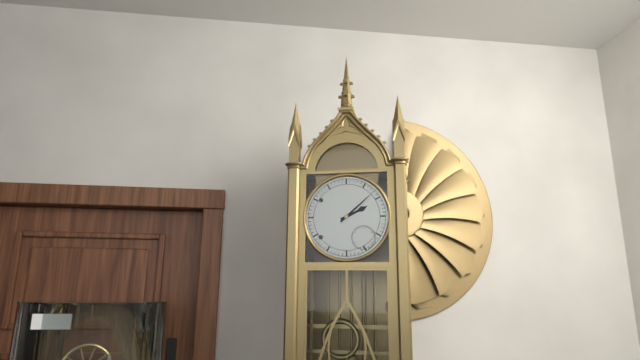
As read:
2.08
